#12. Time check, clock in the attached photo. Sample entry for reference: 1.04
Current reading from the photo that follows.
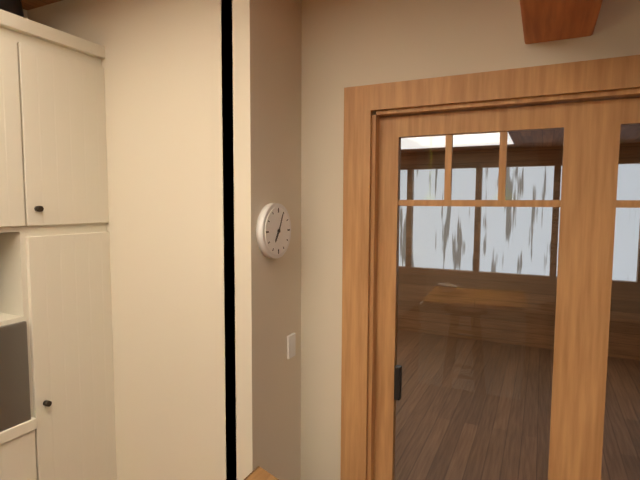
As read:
7.04
